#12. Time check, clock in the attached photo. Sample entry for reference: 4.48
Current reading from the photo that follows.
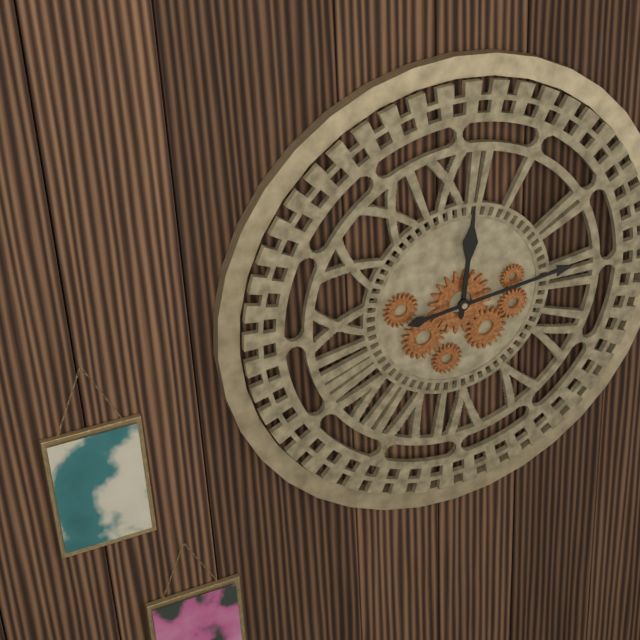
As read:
12.14
